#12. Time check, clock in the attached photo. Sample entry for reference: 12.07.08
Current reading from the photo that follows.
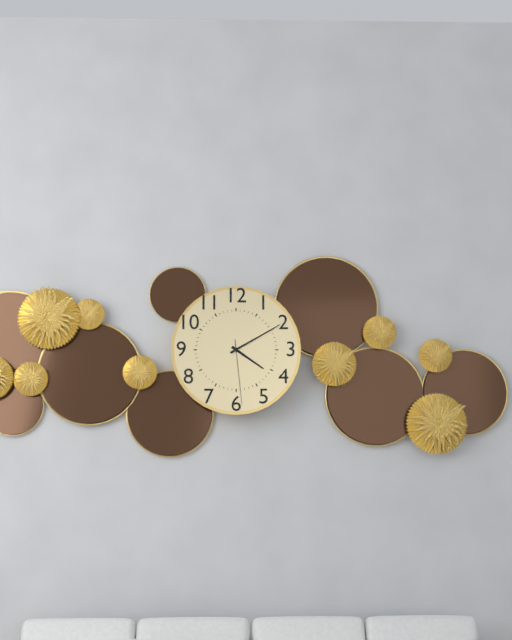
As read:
4.10.29
